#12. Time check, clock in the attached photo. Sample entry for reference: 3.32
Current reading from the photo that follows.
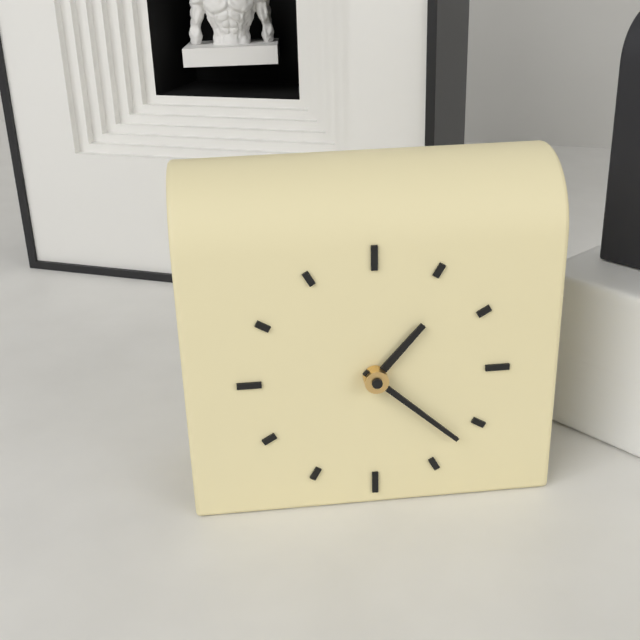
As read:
1.22
